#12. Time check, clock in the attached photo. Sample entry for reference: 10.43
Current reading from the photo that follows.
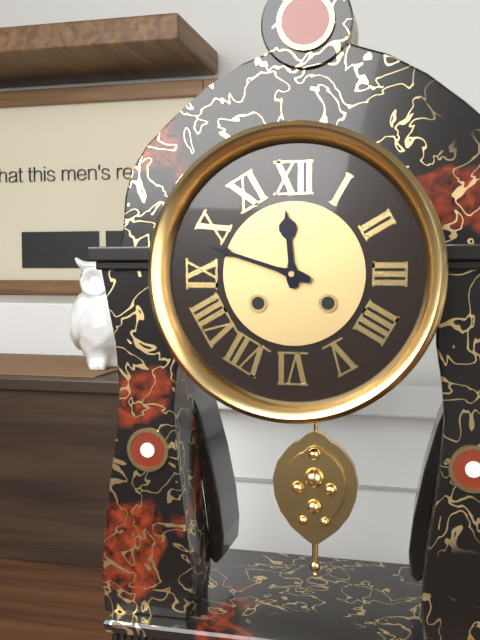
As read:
11.48
